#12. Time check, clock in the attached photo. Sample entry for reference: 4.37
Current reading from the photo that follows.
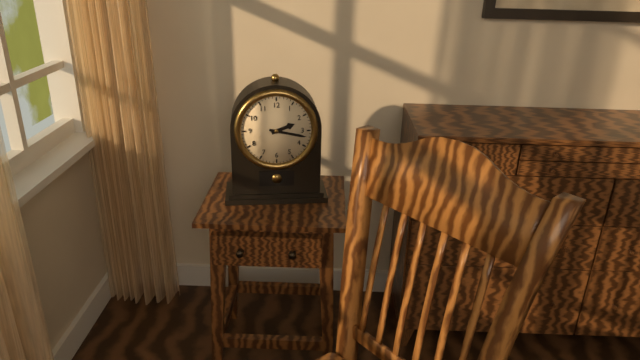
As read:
2.17
